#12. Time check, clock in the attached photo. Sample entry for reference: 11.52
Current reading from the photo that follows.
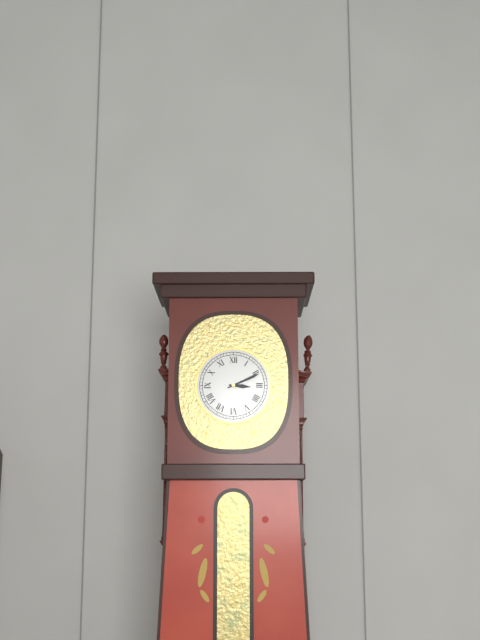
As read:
3.11
